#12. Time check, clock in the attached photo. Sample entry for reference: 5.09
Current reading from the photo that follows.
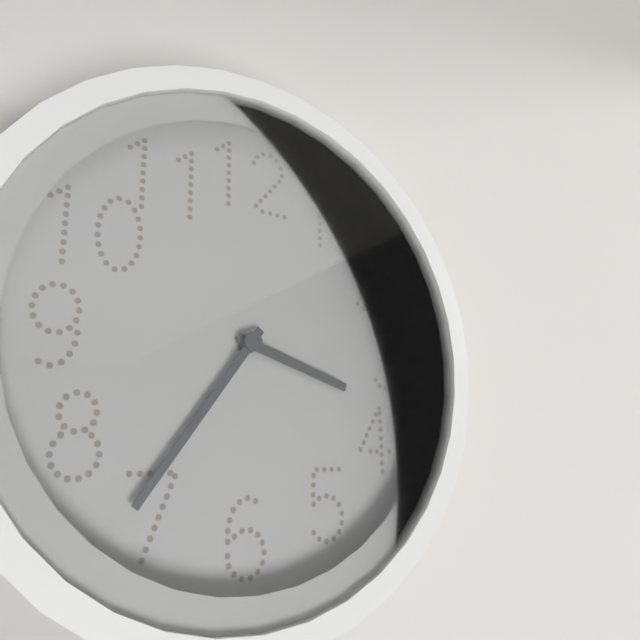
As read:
3.36
